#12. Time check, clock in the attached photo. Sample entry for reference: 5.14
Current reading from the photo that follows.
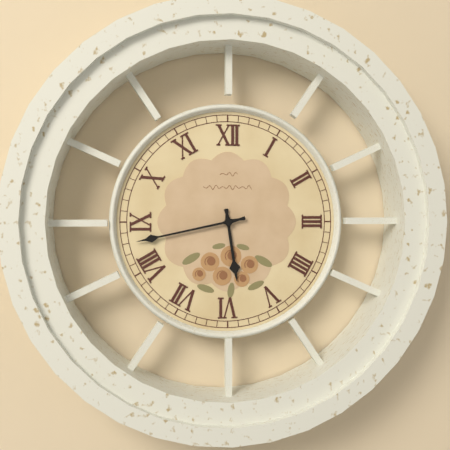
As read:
5.43
